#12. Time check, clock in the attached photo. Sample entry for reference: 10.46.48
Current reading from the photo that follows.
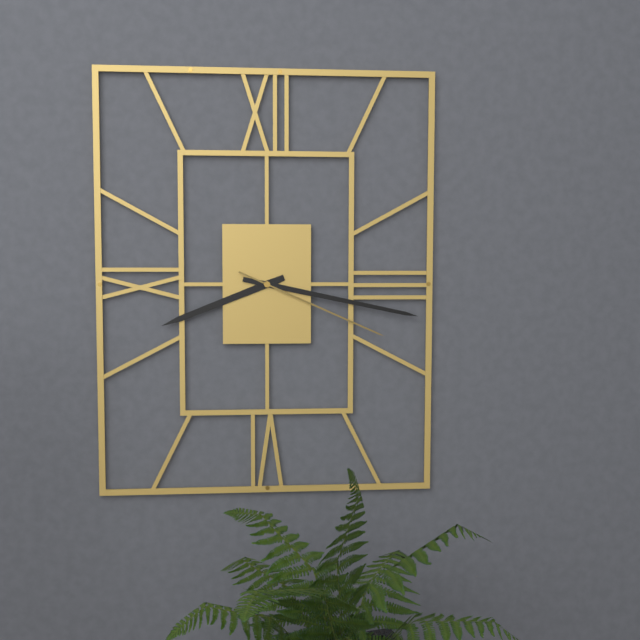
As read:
8.17.19
